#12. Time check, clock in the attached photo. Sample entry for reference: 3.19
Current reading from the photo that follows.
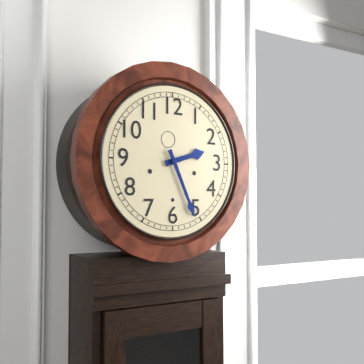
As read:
2.26
